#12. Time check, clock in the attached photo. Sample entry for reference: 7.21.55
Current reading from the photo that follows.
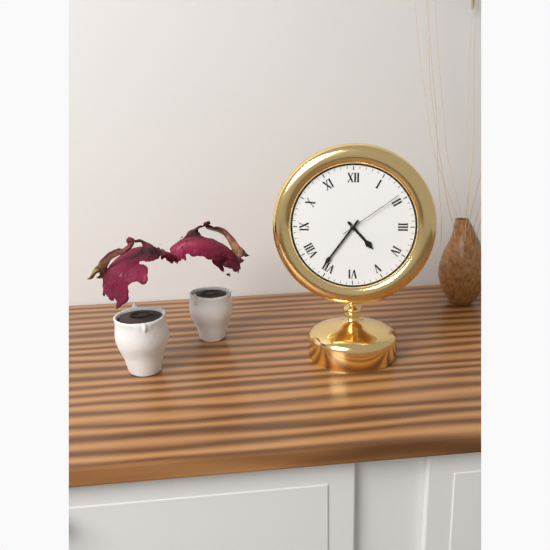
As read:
4.36.09
